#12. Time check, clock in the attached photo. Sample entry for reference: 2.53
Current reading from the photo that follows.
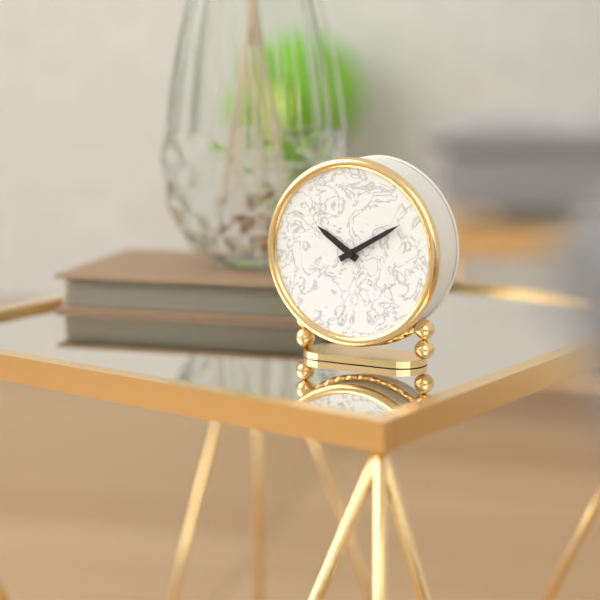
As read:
10.10
